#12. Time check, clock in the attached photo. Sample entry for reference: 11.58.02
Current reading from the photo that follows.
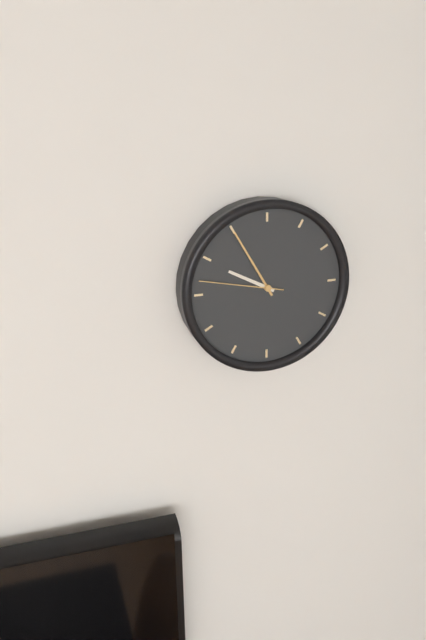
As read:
9.55.47
